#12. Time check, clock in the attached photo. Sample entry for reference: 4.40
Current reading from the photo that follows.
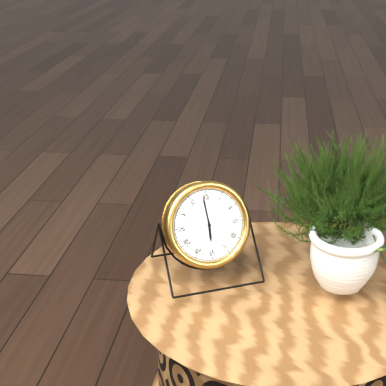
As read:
5.59
